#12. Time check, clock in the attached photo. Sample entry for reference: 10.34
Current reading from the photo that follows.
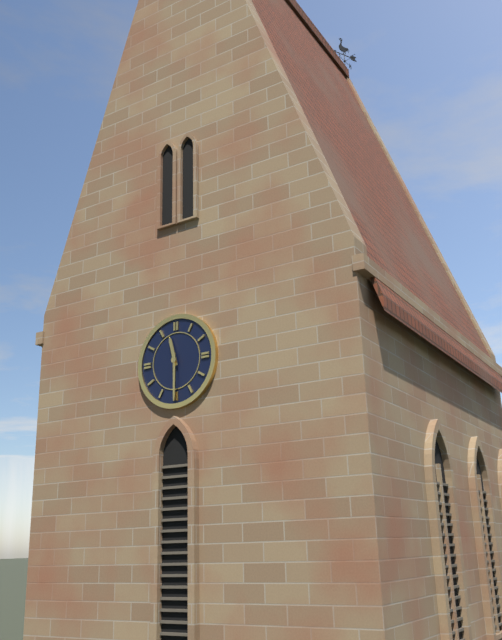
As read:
11.30
